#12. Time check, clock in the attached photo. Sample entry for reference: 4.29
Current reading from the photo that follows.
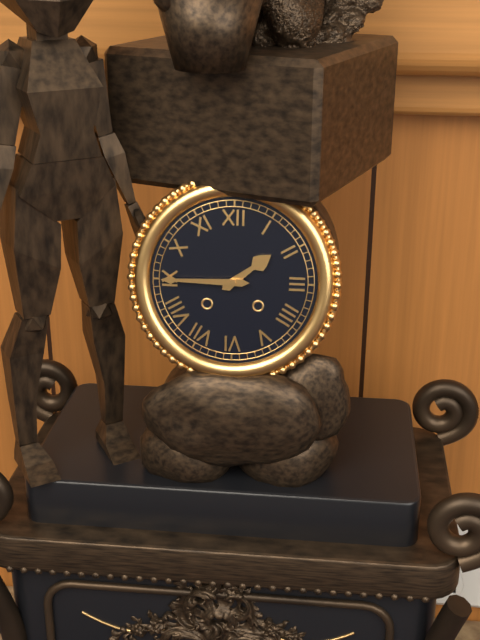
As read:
1.45
